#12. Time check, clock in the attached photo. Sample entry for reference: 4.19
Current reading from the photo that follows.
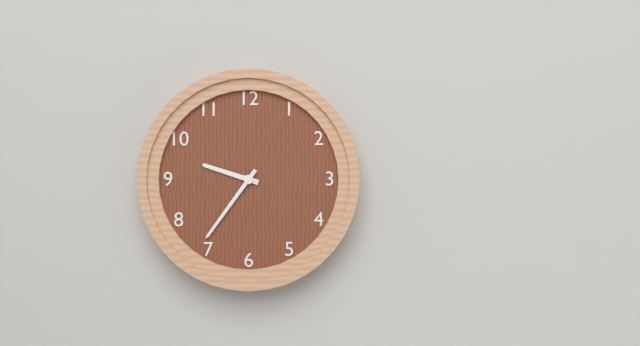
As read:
9.36
